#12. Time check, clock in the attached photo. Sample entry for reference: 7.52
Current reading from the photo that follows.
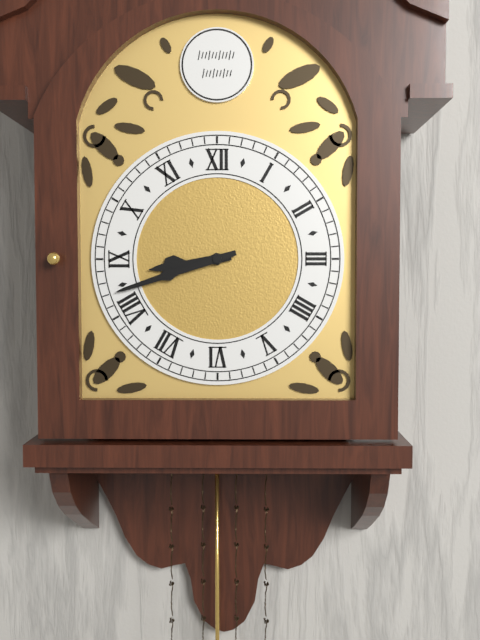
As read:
8.42
